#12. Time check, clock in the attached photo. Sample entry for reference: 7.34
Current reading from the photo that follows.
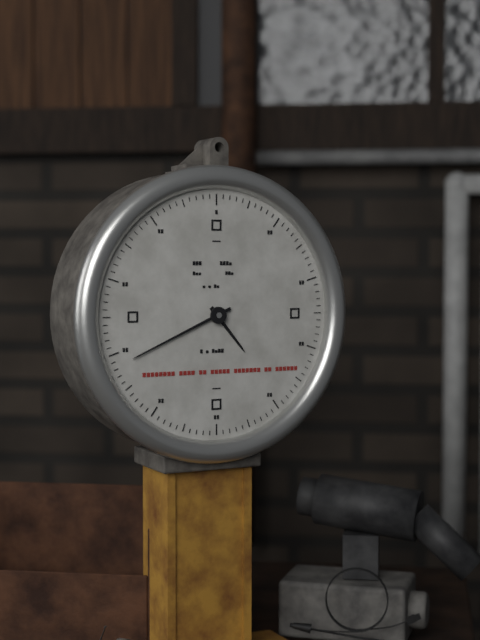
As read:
4.41
